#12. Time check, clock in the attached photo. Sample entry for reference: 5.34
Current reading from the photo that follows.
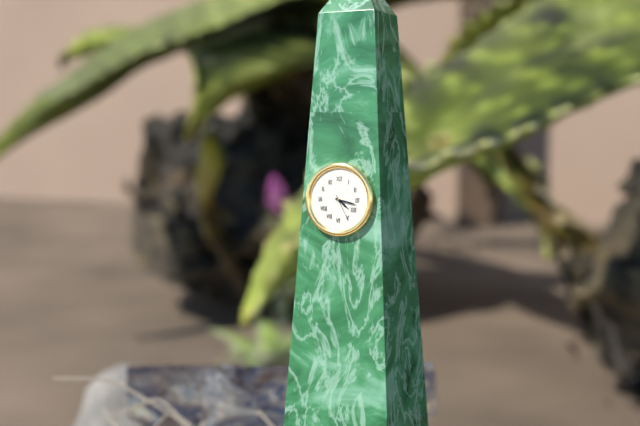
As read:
4.17
